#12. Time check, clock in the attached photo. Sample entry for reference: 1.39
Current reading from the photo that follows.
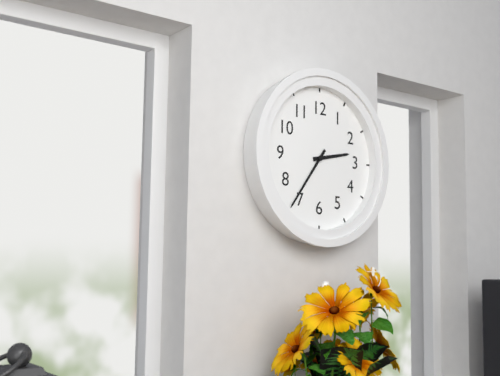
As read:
2.36
